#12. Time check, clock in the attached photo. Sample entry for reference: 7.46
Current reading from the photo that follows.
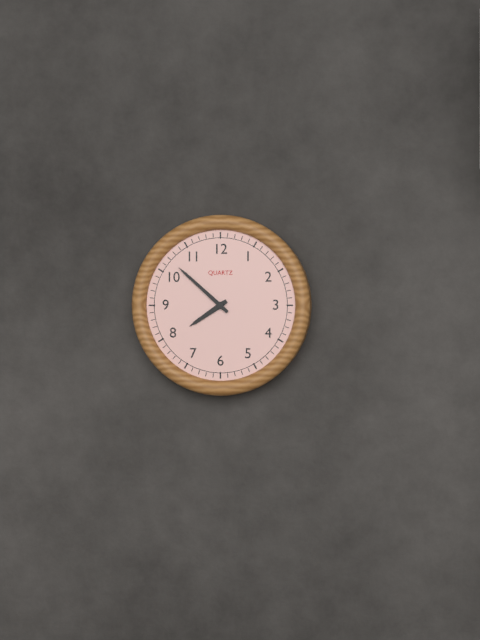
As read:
7.52
